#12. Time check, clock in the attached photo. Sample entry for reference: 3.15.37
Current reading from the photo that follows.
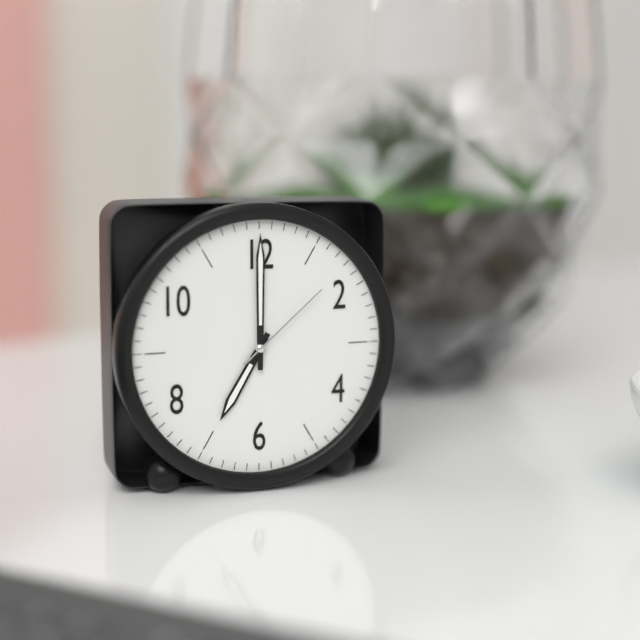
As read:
7.00.08
